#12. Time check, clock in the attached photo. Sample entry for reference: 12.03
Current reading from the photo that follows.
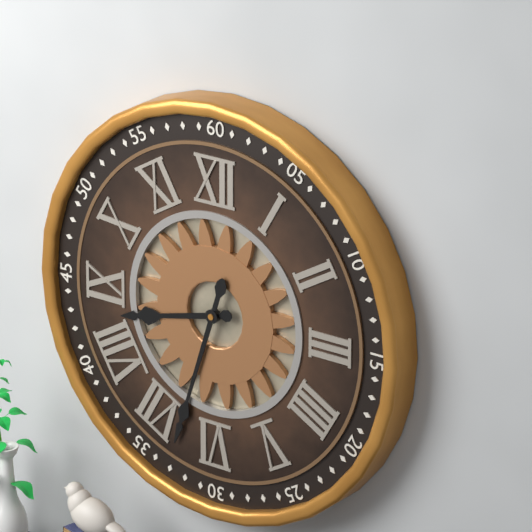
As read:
8.33
